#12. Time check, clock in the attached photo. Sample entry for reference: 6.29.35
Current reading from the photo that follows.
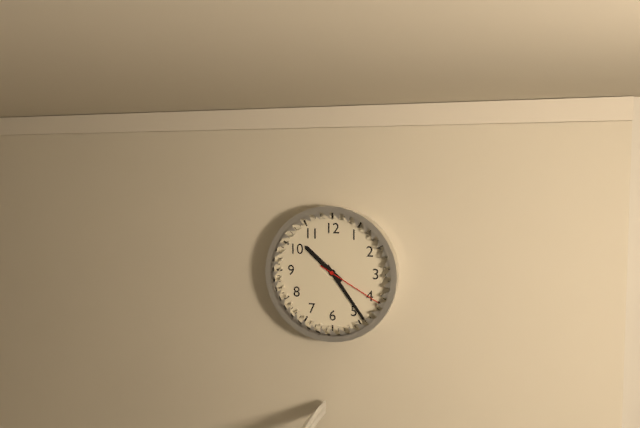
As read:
10.24.20
